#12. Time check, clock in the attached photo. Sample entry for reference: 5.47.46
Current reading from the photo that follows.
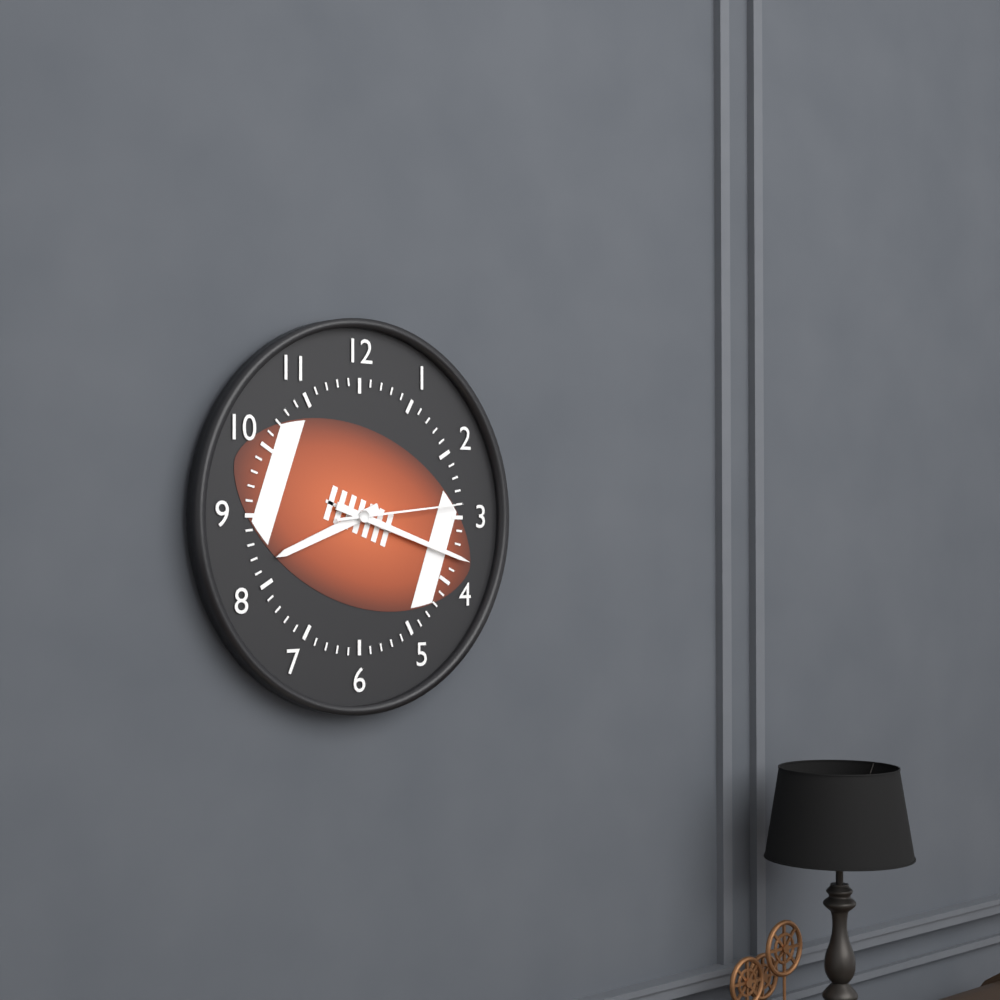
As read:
8.18.14
